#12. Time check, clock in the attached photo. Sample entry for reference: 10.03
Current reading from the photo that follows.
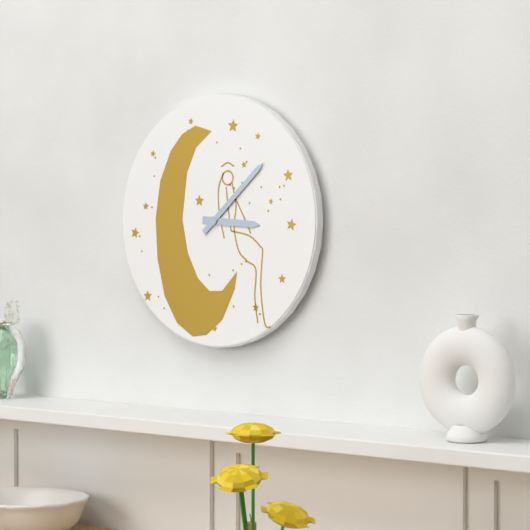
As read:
3.08
